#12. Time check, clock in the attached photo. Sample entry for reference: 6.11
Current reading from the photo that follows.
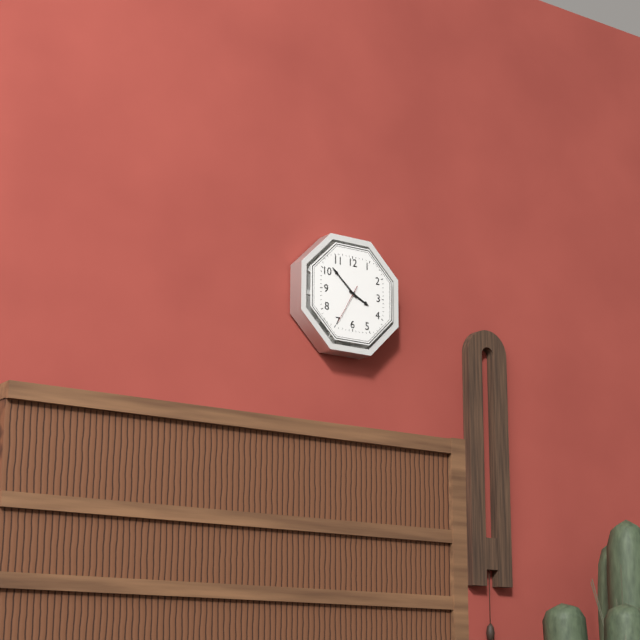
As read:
3.52
